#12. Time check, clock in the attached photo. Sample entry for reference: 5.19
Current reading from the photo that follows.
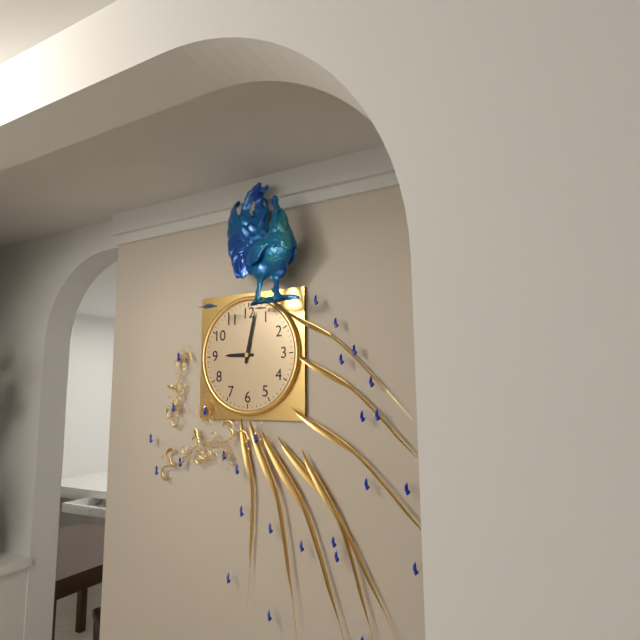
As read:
9.02
